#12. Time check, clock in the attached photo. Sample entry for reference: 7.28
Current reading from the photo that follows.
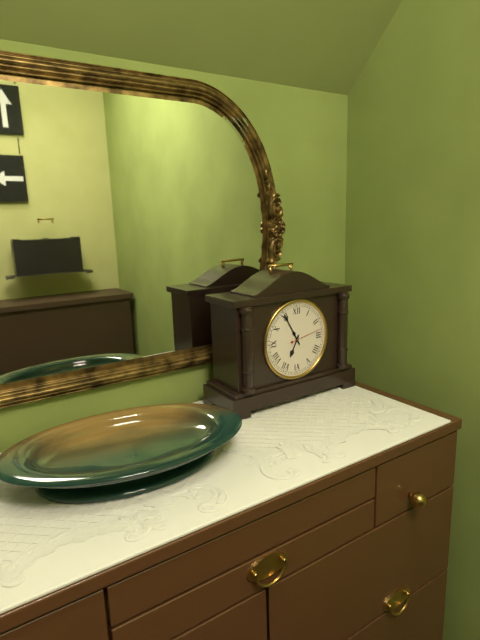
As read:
6.55
